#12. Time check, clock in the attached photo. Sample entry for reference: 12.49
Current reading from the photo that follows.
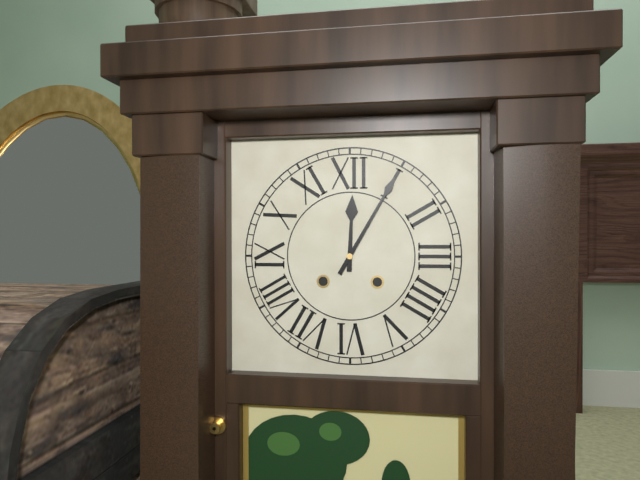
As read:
12.05
